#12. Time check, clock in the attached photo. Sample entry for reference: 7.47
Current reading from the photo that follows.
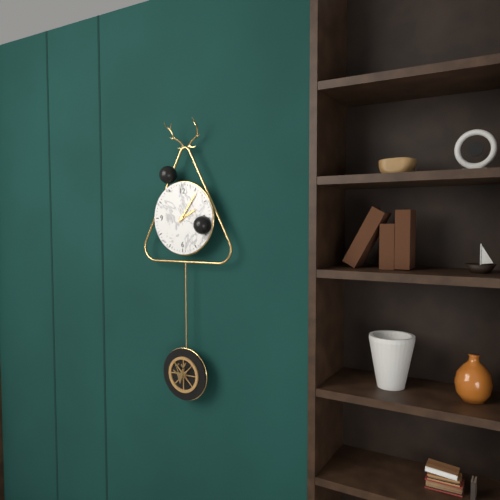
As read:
2.06
